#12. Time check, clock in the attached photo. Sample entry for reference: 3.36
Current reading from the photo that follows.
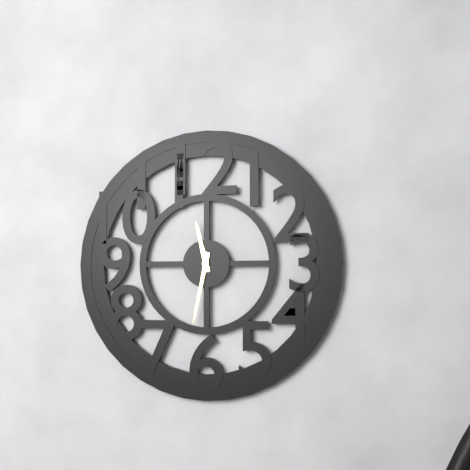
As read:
11.32
